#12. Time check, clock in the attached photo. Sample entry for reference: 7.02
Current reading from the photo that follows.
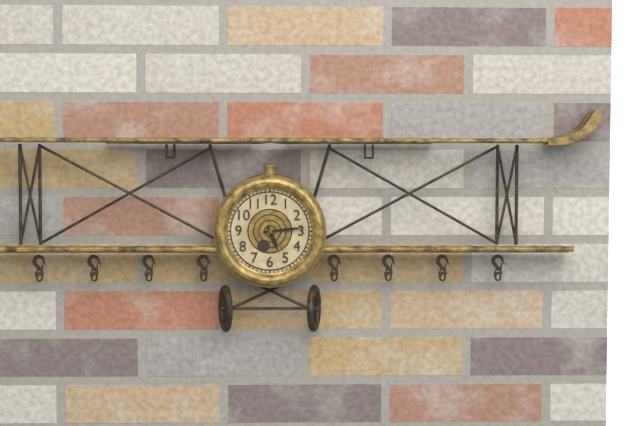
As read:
5.14
